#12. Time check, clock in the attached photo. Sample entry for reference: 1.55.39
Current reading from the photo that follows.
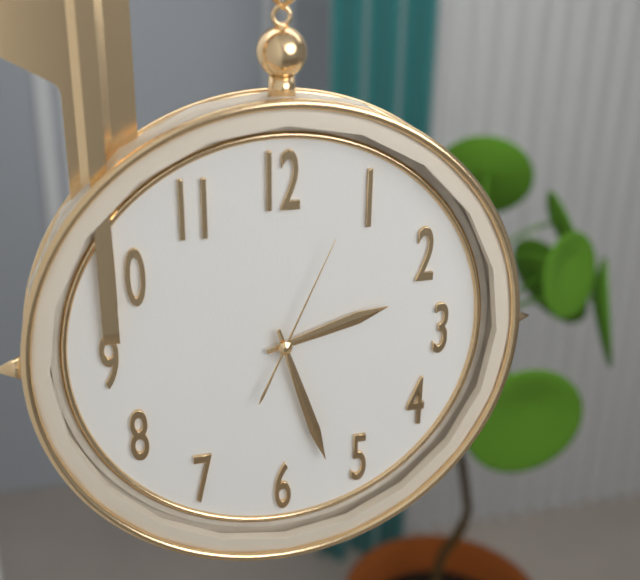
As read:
2.27.04
